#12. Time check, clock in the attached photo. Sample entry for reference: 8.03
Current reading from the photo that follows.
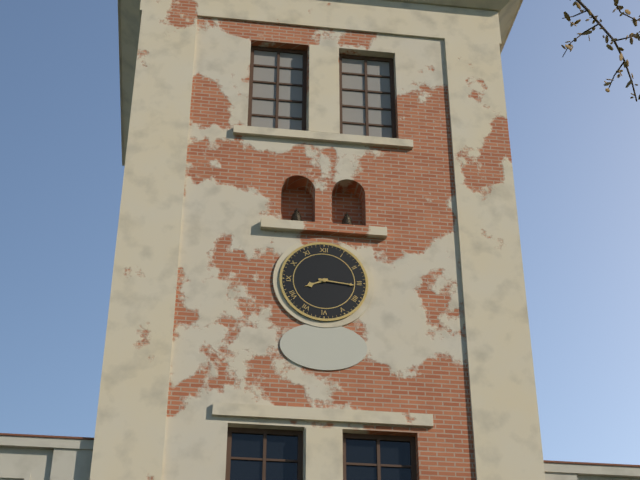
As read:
8.16
